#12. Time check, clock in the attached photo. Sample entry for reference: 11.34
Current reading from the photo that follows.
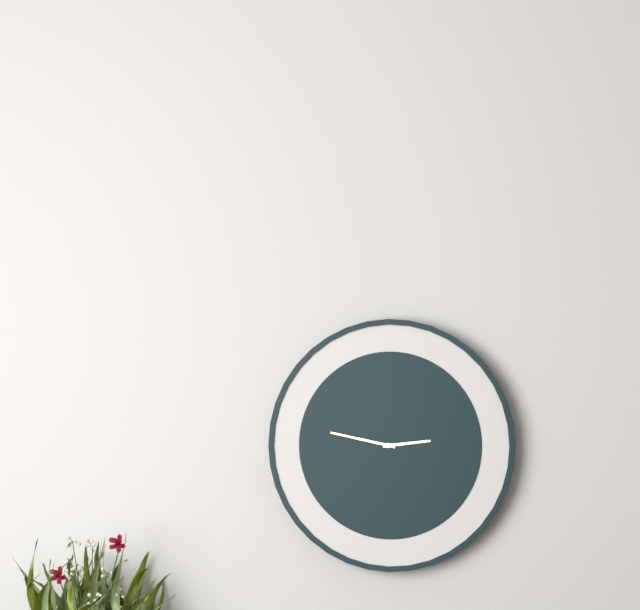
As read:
2.47
